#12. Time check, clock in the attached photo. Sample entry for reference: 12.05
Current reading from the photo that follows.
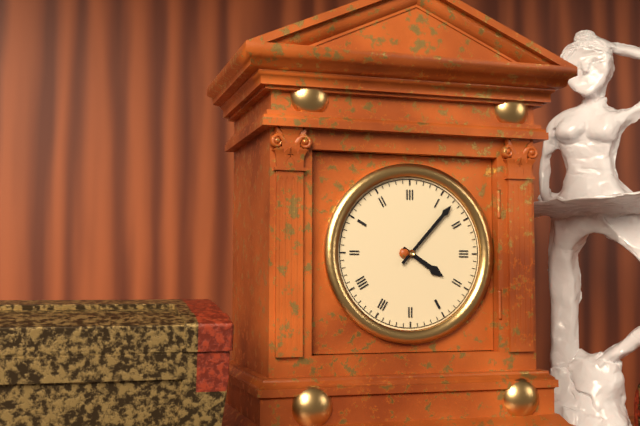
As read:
4.07
